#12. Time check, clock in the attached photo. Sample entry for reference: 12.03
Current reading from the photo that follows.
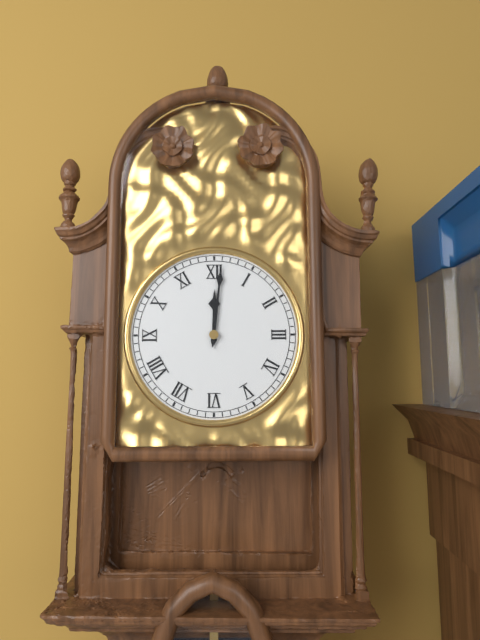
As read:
12.01
